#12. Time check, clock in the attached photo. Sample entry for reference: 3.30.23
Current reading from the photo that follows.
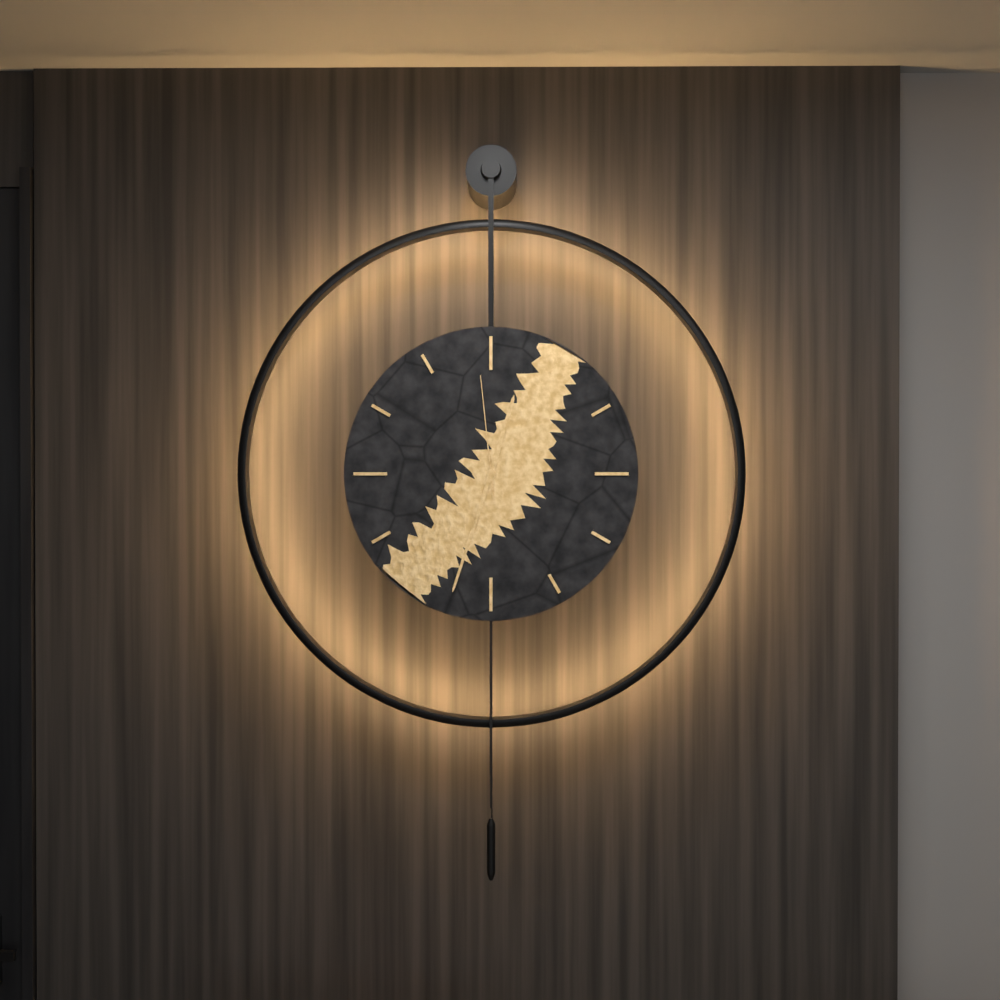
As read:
12.33.59
